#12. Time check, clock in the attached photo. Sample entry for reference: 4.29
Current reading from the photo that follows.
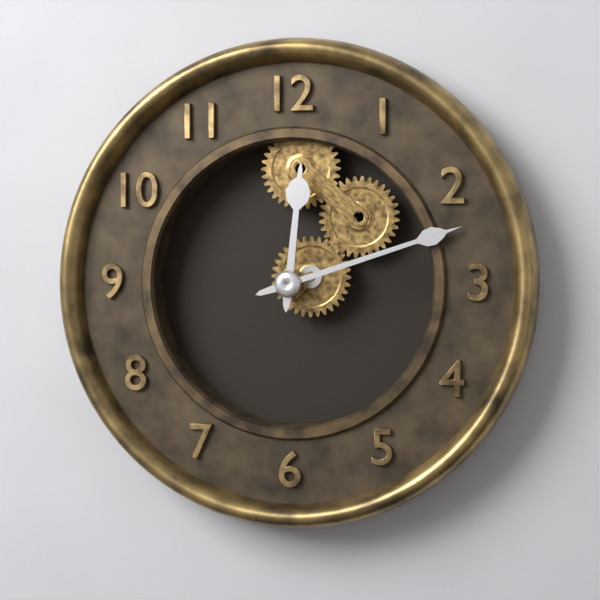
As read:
12.12
